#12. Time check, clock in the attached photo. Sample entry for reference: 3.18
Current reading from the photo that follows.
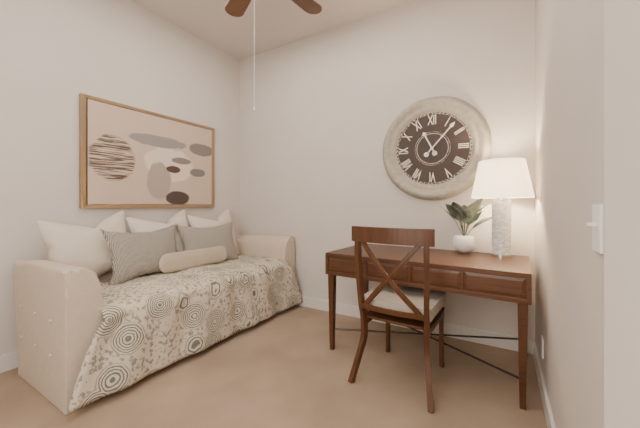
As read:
11.07
